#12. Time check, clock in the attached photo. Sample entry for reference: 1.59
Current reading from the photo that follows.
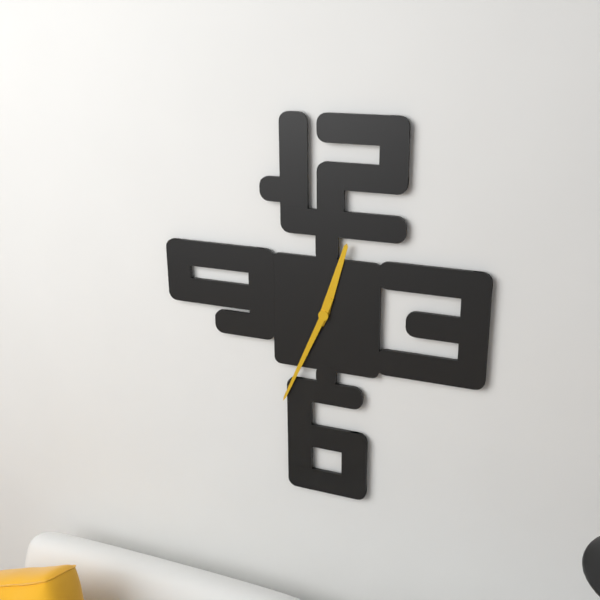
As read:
12.34
